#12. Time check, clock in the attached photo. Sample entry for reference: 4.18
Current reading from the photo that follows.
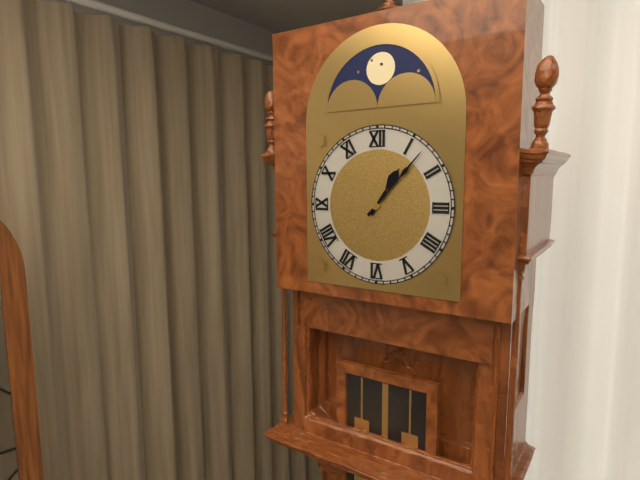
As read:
1.07
